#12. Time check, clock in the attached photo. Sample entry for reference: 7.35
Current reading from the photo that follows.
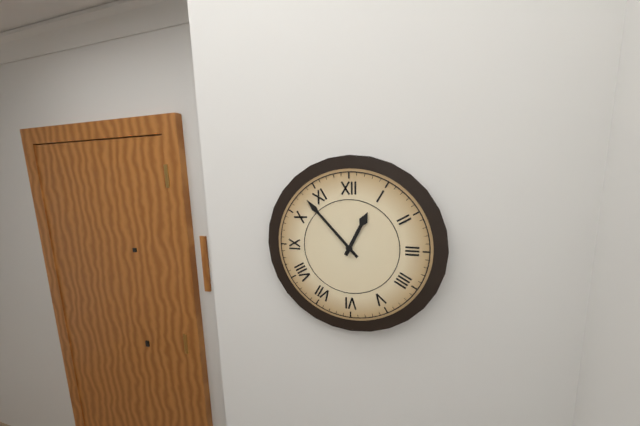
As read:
12.53
